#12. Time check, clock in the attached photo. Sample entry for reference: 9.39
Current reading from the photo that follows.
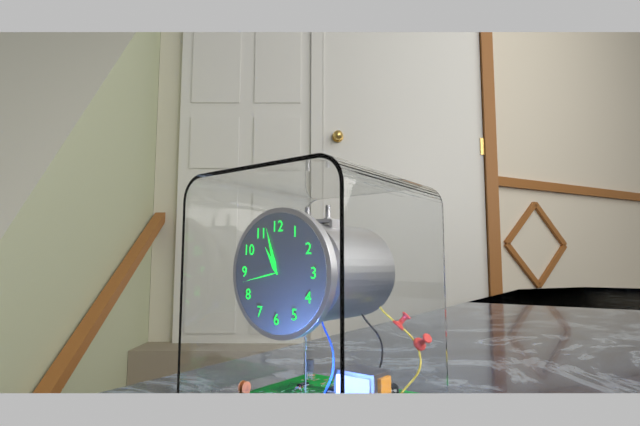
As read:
10.57
